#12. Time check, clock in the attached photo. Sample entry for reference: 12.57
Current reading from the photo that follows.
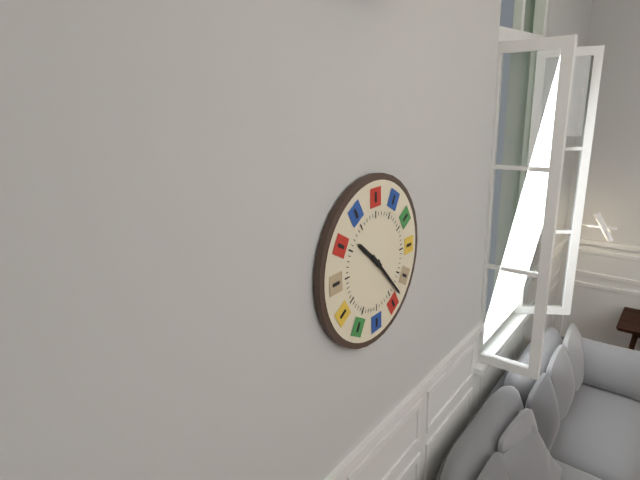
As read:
10.23
